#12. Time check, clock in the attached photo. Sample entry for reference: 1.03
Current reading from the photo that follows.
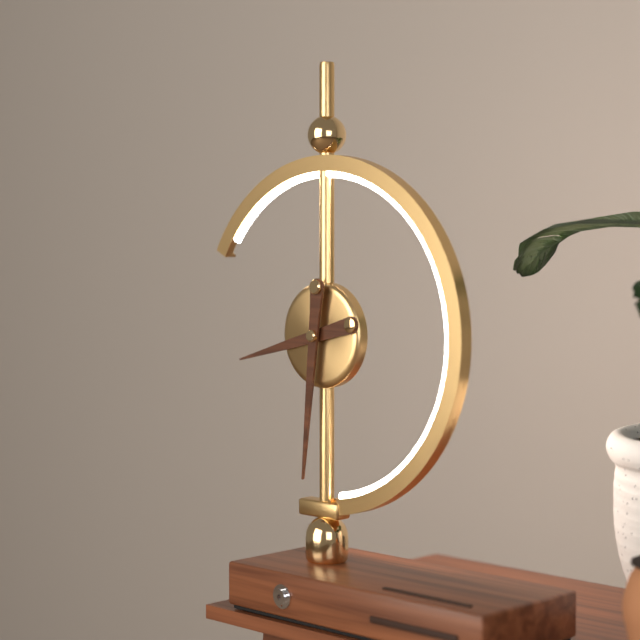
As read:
8.31
